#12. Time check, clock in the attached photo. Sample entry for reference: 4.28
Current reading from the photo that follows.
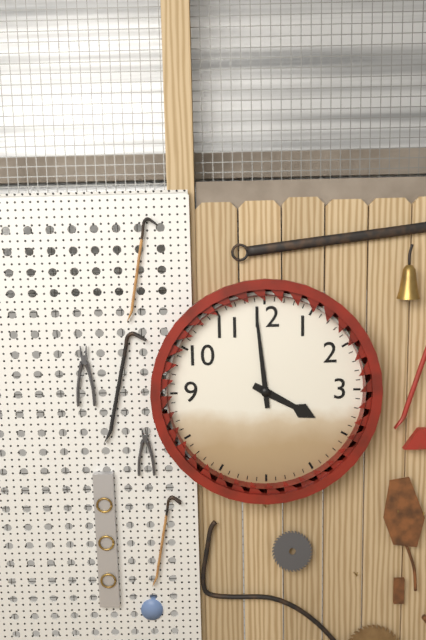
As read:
3.59
